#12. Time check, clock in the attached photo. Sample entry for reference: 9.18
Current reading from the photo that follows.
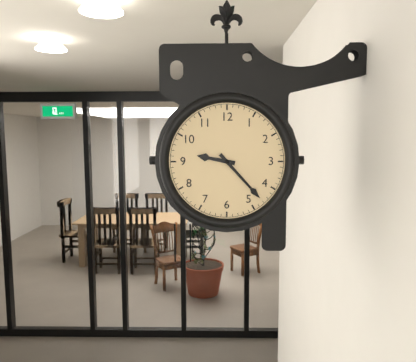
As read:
9.23
